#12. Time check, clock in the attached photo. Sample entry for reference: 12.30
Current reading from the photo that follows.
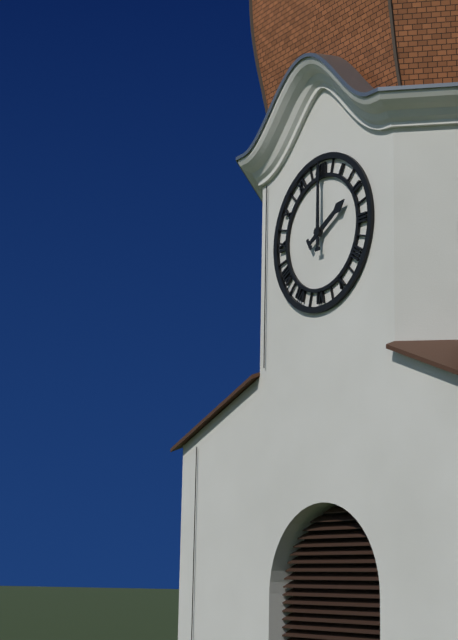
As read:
2.00
